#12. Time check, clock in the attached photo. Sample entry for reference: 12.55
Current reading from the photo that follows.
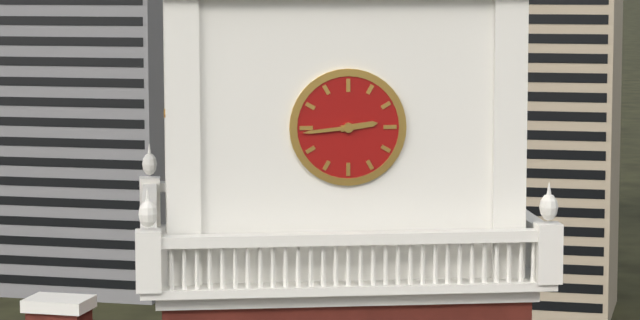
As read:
2.44
